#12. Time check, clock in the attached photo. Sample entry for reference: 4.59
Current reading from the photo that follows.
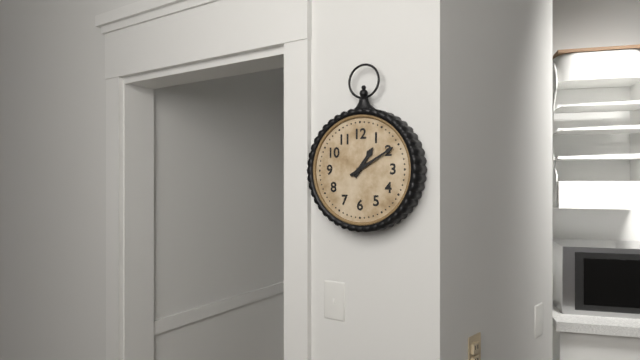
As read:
1.10
